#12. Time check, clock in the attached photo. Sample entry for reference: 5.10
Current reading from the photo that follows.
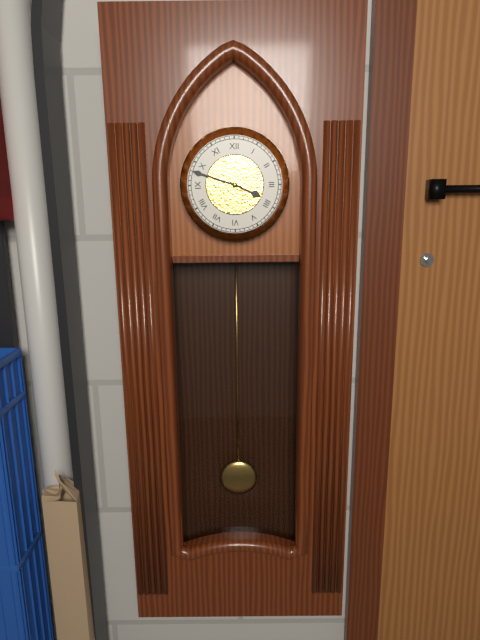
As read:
3.48
